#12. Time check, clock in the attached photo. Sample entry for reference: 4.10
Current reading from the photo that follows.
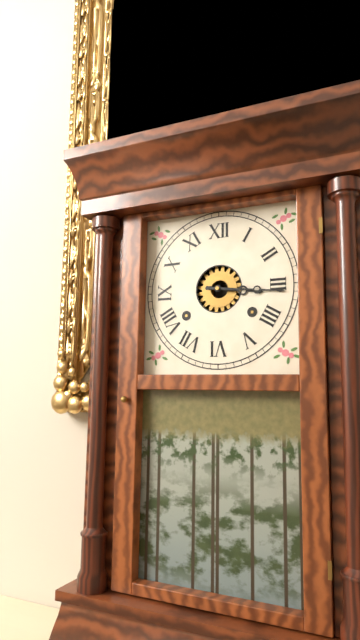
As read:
3.16
